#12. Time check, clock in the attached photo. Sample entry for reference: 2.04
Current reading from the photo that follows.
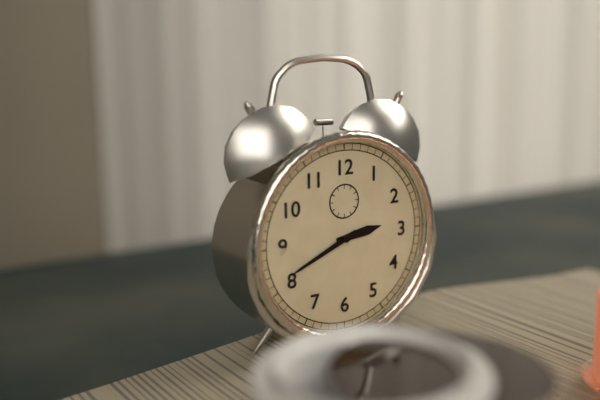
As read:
2.41
